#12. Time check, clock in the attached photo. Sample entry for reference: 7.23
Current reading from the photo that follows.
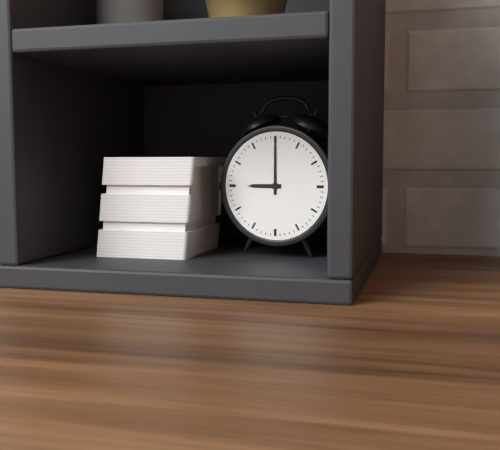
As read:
9.00
